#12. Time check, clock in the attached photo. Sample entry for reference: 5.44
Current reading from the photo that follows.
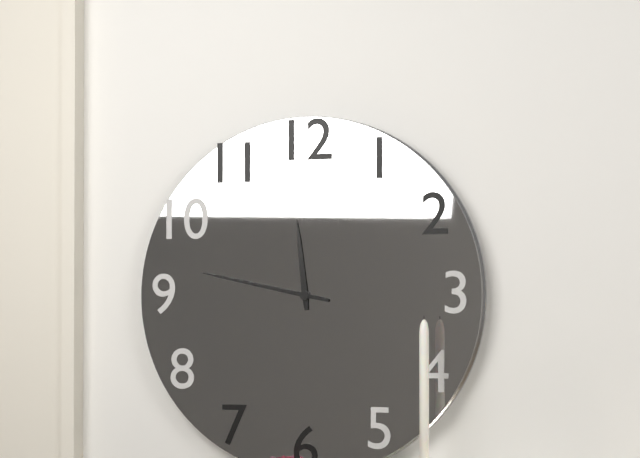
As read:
11.47
